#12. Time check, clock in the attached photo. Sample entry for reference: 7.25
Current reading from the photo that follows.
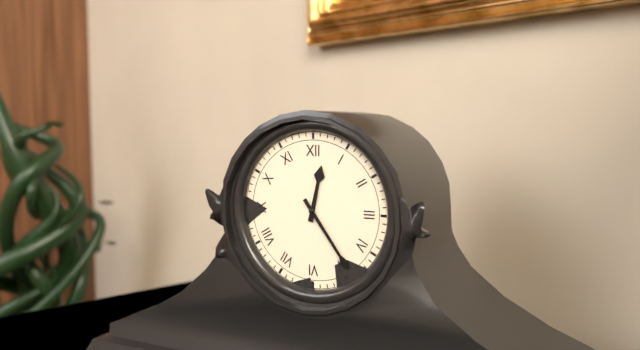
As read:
12.24
